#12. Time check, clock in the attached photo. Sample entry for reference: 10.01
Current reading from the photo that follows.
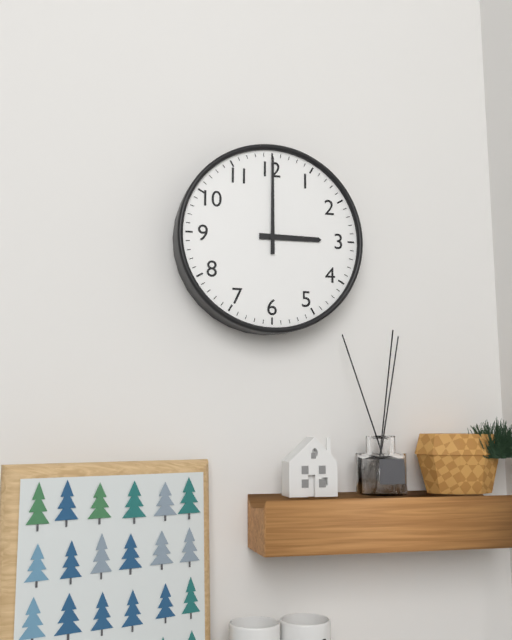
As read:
3.00
